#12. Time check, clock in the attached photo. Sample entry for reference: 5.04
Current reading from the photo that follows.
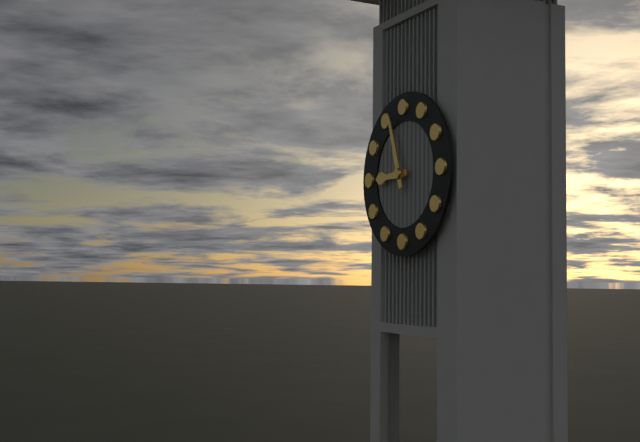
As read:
8.57
